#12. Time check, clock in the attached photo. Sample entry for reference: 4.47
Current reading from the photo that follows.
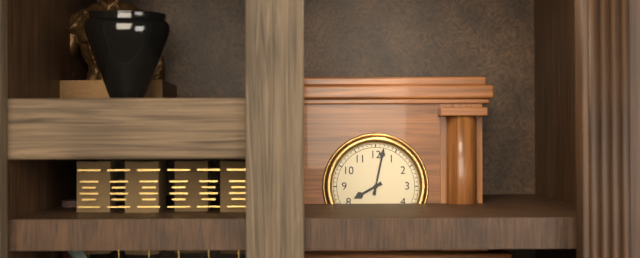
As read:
8.02
